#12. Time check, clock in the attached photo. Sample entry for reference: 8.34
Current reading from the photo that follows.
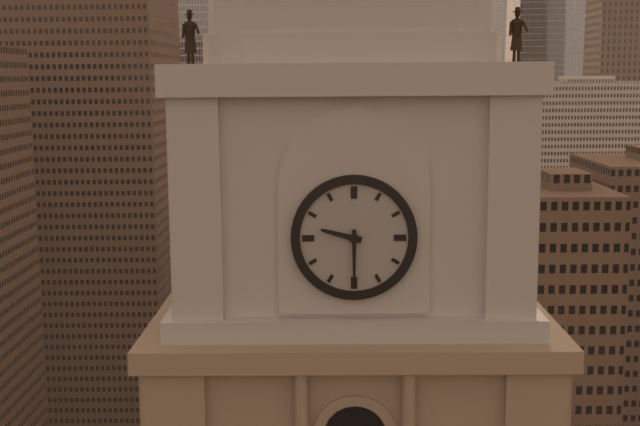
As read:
9.30
